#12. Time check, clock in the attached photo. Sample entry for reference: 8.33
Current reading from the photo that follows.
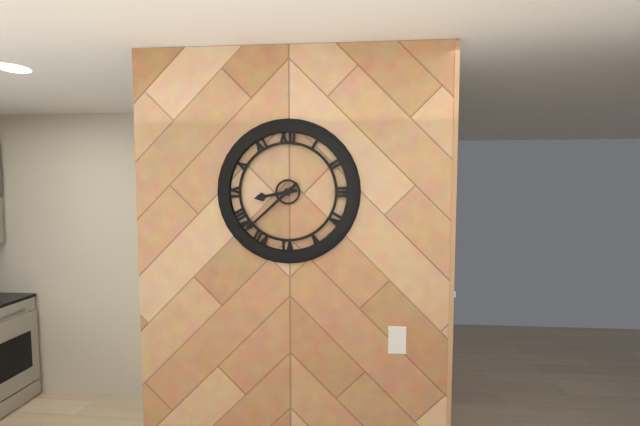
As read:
8.38
